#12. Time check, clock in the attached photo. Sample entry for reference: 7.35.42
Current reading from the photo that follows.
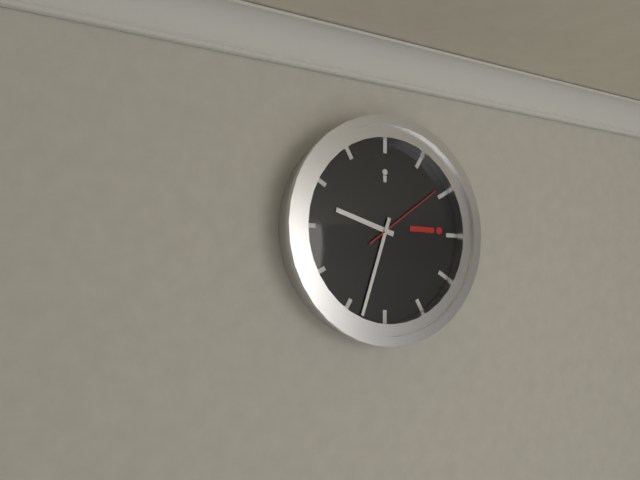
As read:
9.33.09
